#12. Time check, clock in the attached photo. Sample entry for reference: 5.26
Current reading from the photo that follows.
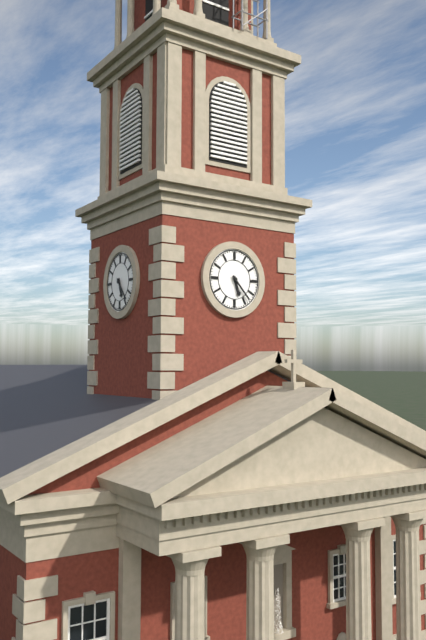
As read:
5.23
